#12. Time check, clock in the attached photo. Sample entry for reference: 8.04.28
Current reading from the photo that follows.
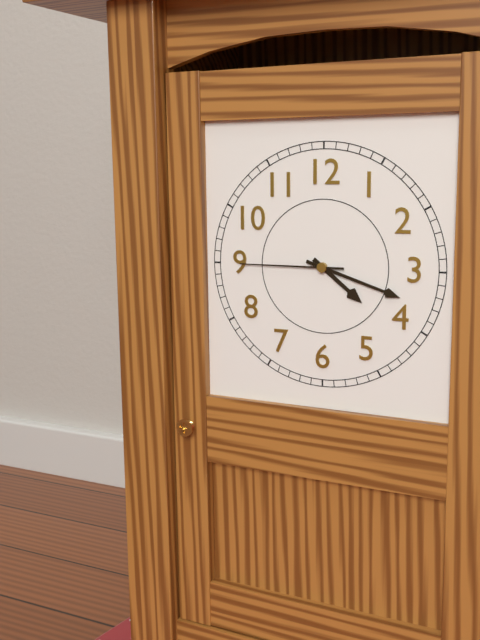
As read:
4.18.45
